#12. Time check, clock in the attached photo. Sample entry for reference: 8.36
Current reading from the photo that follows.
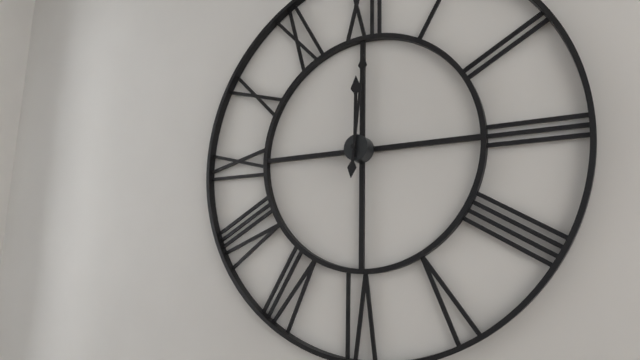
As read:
12.01
